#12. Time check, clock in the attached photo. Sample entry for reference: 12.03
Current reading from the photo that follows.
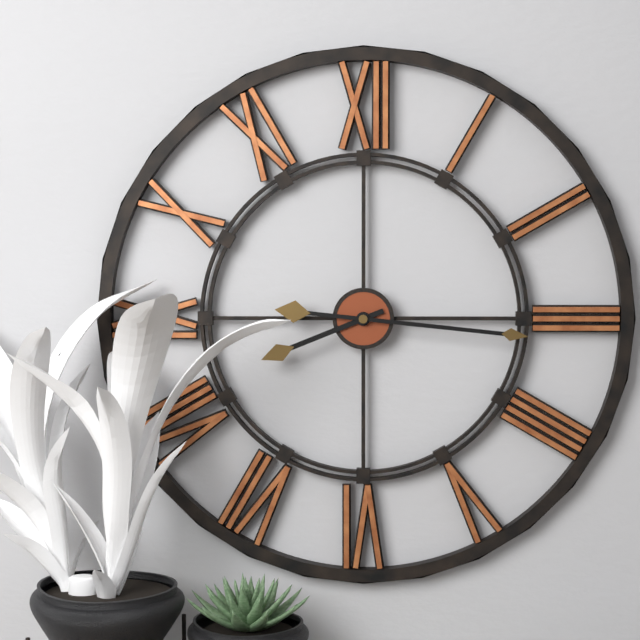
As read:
8.16
